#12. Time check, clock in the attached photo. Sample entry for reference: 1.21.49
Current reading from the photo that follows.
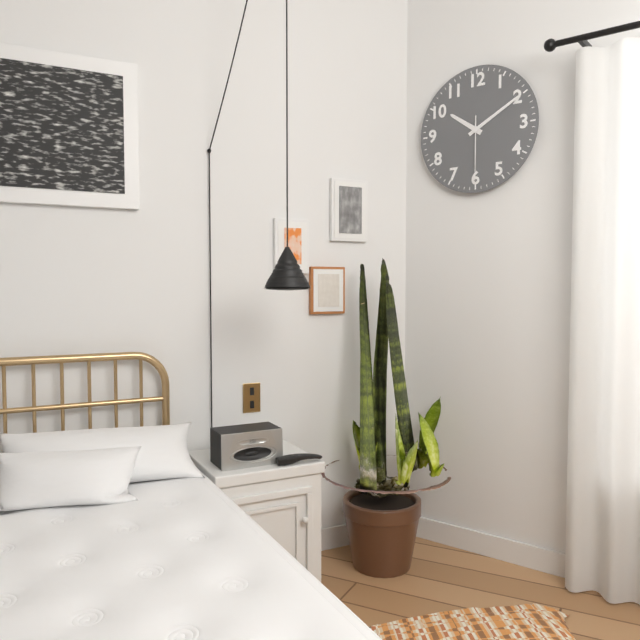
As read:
10.10.30
